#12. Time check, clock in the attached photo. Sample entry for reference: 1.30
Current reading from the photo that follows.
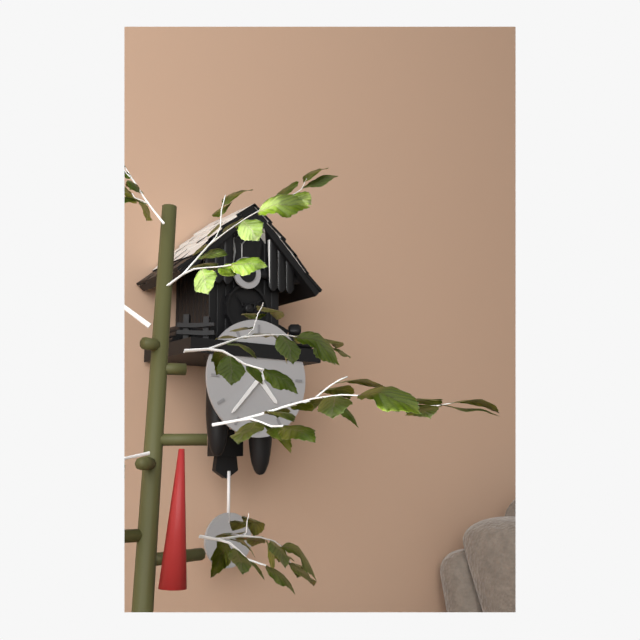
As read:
4.37
